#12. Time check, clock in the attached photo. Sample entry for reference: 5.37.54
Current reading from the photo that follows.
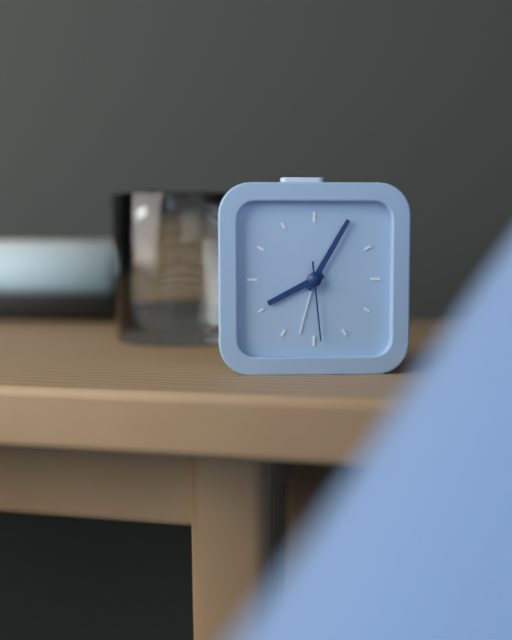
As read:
8.05.29
